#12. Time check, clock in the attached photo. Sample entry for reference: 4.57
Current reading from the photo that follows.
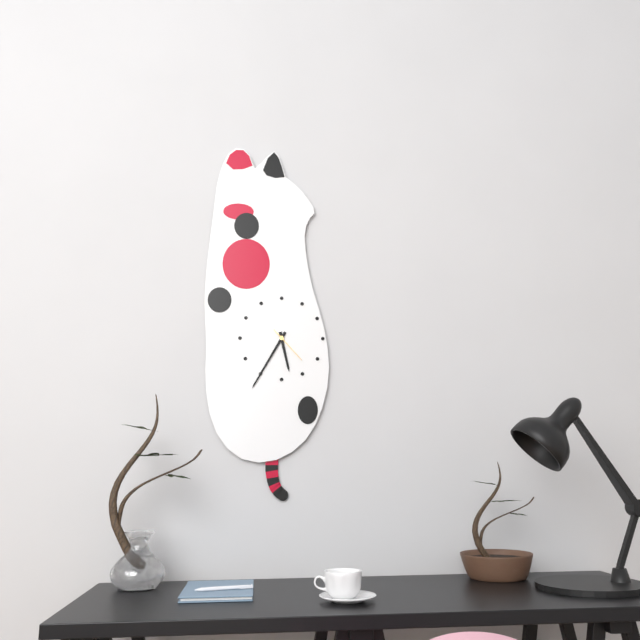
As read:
5.35
